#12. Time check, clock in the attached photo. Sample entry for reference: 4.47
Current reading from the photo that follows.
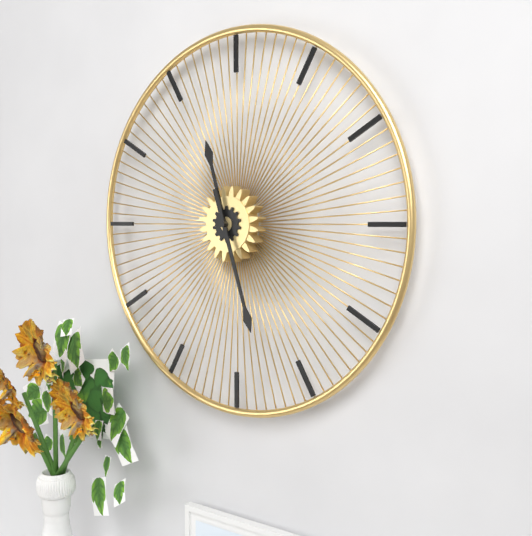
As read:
11.27
